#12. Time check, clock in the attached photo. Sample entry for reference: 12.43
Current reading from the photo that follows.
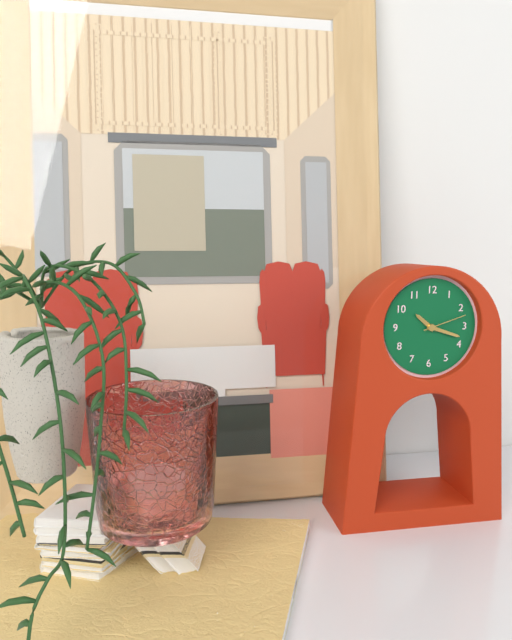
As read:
10.18
